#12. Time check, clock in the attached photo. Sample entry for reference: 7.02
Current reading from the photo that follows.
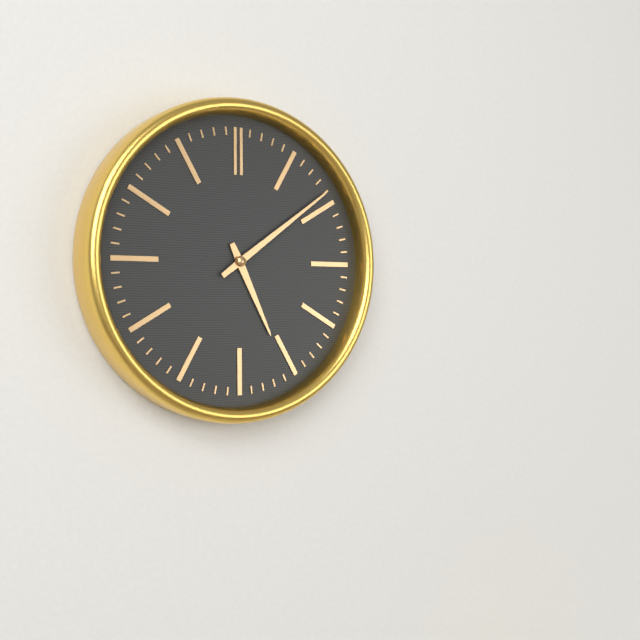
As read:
5.09
